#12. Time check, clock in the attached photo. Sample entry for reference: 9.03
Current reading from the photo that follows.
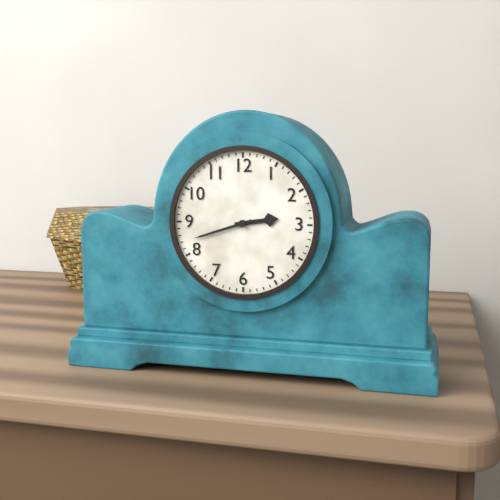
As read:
2.42
